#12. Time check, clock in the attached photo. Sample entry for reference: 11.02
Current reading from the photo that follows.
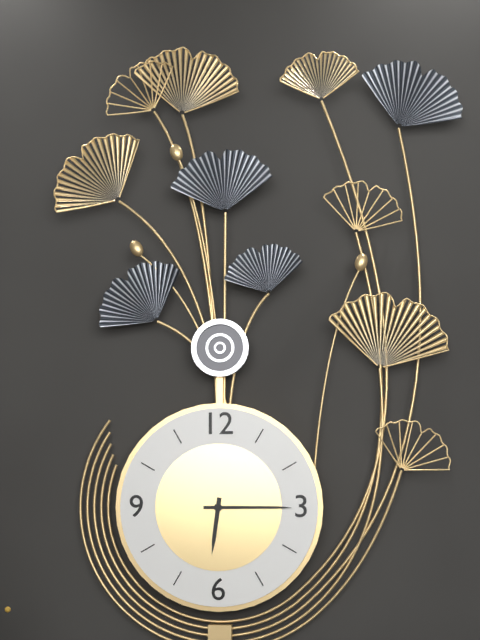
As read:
6.15
